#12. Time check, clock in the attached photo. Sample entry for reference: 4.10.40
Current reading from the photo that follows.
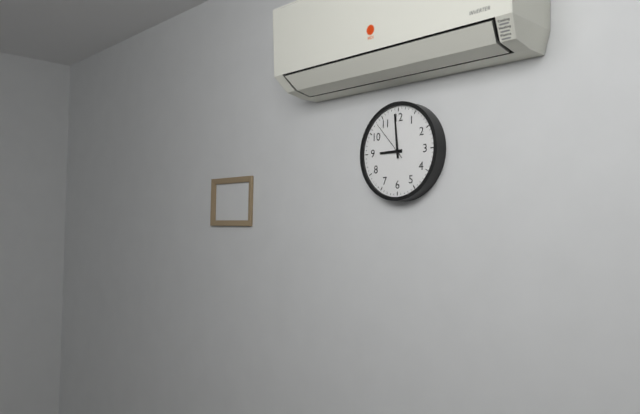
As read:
8.59.53
